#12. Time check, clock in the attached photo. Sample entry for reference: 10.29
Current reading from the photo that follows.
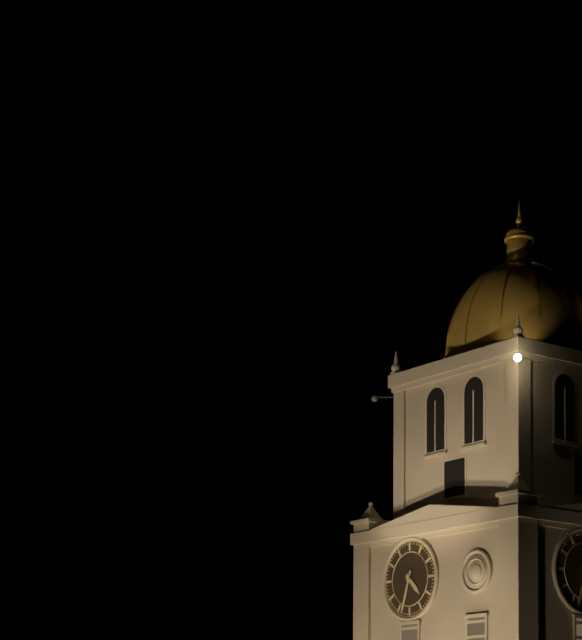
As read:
4.33
